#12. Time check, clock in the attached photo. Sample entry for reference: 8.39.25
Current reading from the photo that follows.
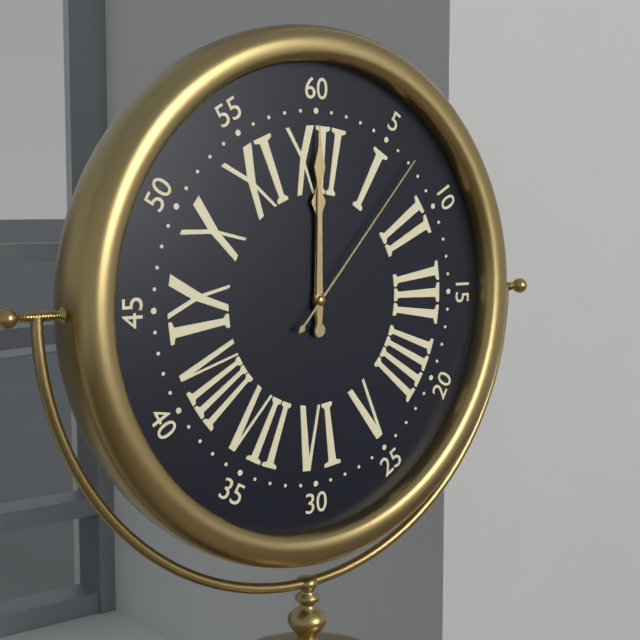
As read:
12.00.07
